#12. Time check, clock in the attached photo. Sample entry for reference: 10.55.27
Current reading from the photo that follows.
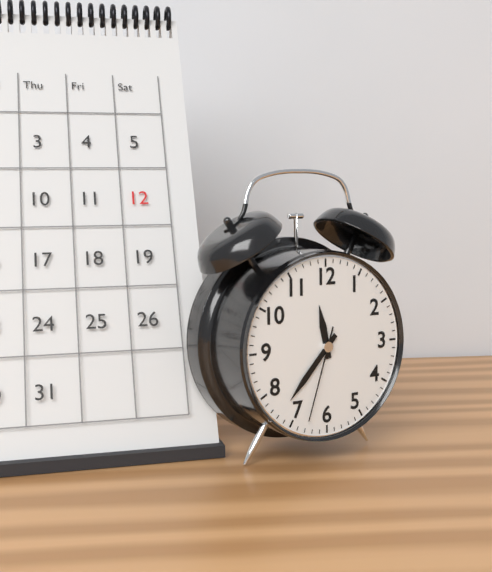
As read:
11.37.33
